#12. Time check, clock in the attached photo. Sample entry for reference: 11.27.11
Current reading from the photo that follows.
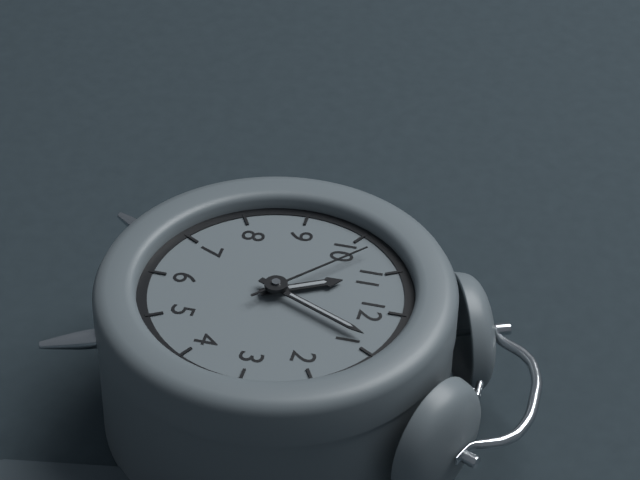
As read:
11.04.52
